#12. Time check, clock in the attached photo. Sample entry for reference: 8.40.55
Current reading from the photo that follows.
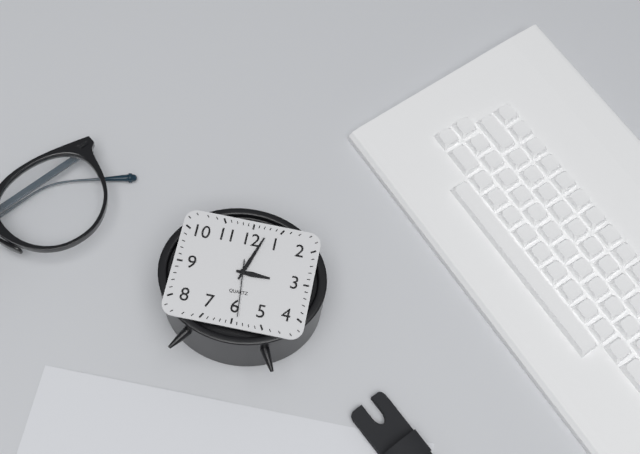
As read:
3.03.29
